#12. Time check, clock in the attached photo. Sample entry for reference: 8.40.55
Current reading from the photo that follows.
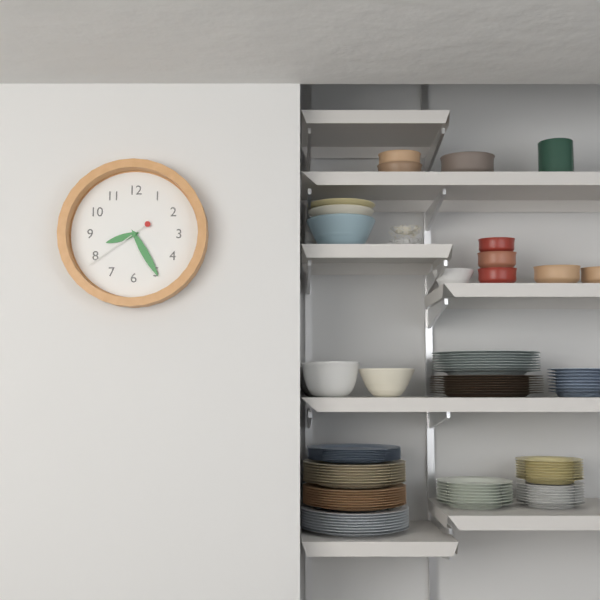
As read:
8.25.39
